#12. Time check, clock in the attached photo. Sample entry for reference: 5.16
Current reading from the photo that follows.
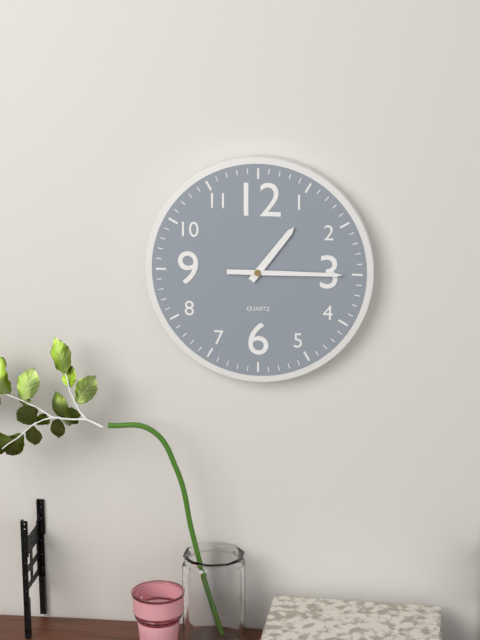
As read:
1.15
